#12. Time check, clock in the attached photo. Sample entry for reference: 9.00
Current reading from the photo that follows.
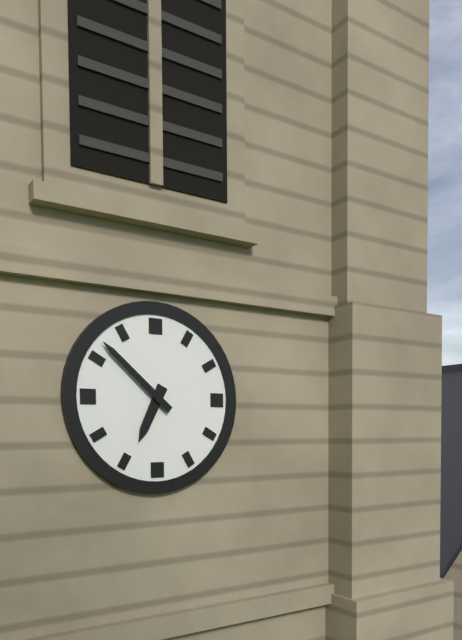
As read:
6.52
